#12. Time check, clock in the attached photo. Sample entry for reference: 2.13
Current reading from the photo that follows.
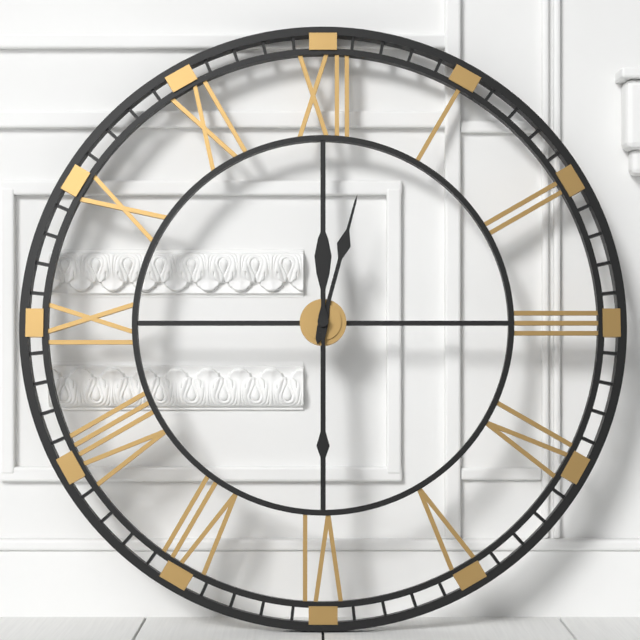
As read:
12.30
